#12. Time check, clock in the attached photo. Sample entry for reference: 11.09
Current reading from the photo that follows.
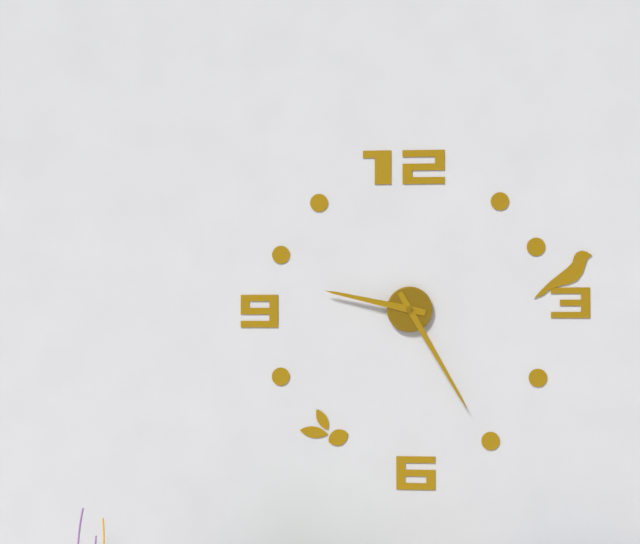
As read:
9.25
